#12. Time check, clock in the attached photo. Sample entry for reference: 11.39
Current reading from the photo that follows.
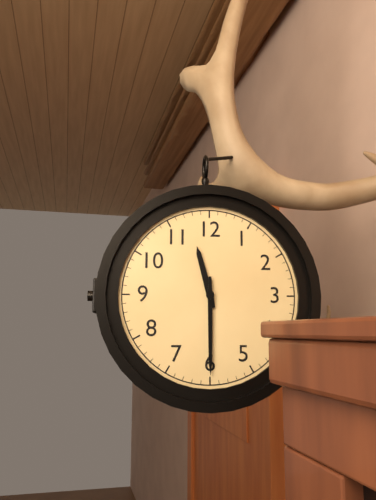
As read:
11.30
